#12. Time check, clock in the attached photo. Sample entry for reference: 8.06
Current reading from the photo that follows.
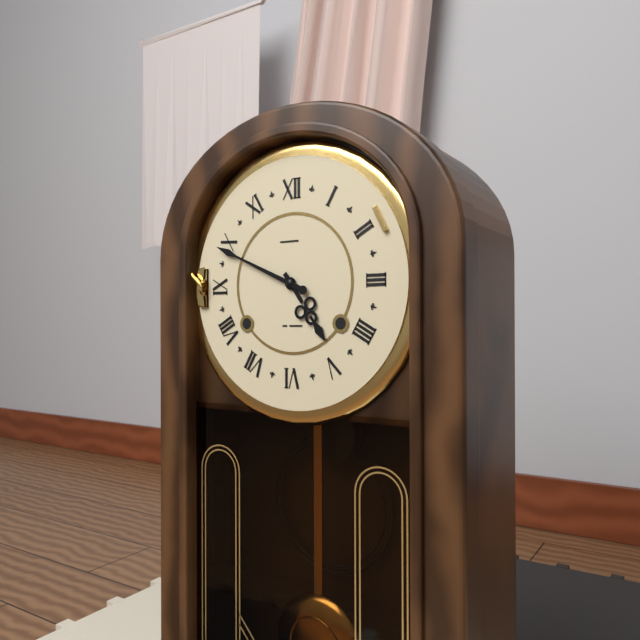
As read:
4.49
